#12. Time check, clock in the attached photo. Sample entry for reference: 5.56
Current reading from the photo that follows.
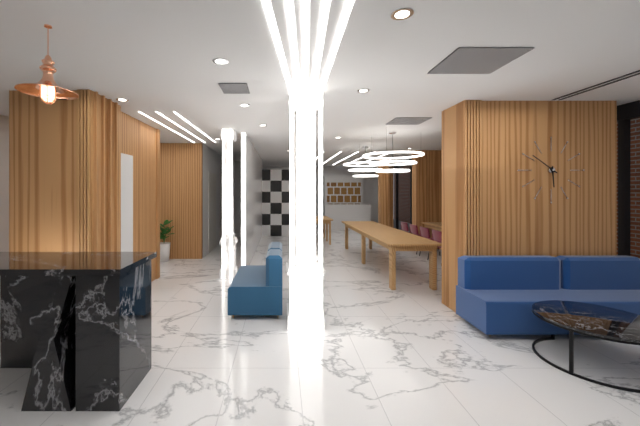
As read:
5.51
